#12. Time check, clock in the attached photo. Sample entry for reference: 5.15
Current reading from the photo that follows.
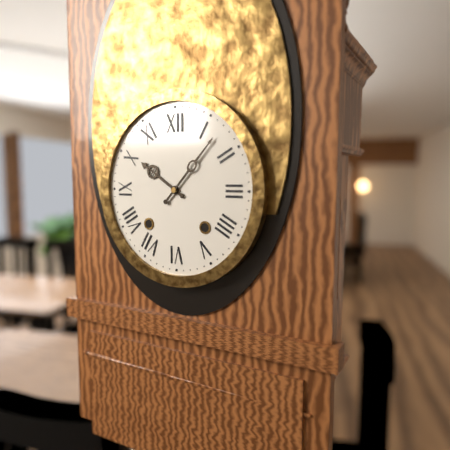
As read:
10.07
